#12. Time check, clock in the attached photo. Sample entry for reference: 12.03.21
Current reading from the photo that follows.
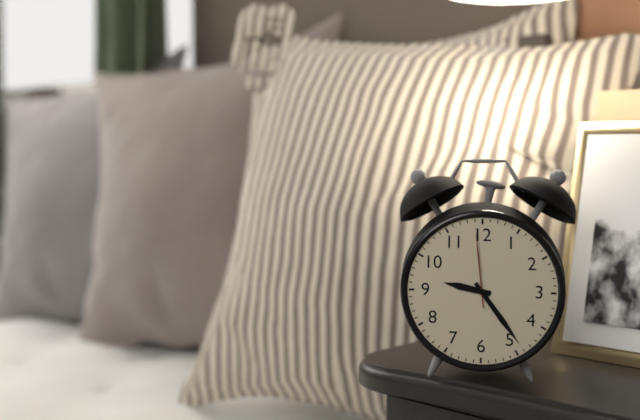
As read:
9.24.59
